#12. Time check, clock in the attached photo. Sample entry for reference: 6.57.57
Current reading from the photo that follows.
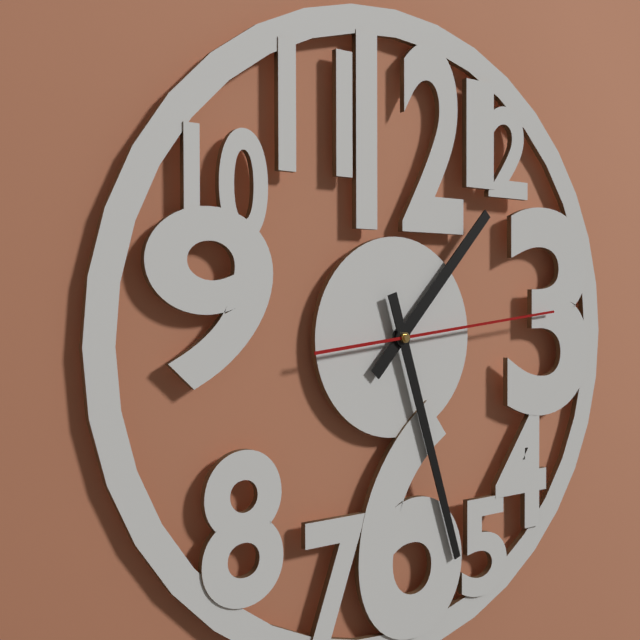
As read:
1.27.14
